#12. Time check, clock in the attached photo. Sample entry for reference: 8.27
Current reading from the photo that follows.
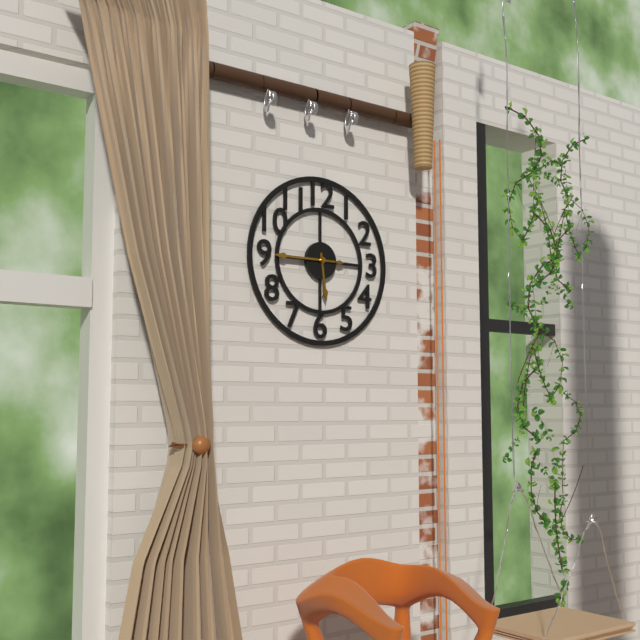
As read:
5.45
